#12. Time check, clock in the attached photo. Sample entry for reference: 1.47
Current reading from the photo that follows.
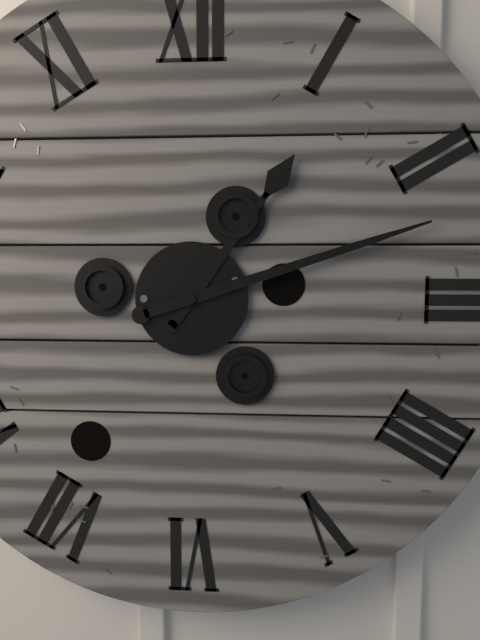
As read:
1.12
